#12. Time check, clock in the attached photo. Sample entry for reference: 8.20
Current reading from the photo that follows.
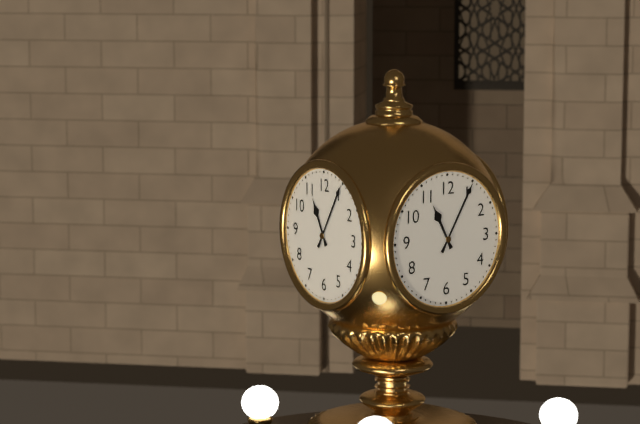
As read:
11.05
